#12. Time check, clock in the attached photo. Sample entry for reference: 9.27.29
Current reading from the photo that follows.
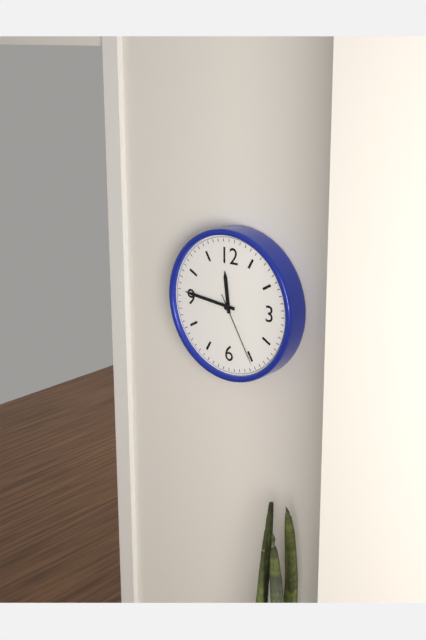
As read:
11.46.25
